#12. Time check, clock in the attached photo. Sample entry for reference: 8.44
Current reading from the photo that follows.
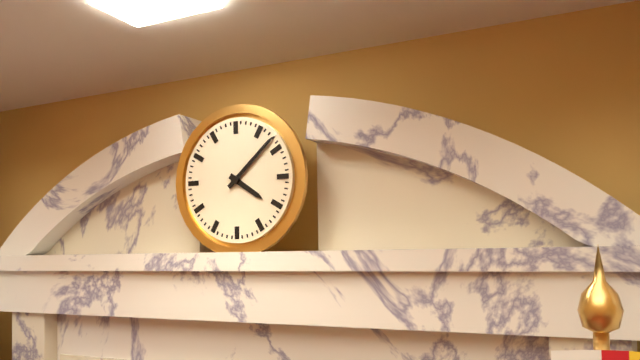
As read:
4.08
